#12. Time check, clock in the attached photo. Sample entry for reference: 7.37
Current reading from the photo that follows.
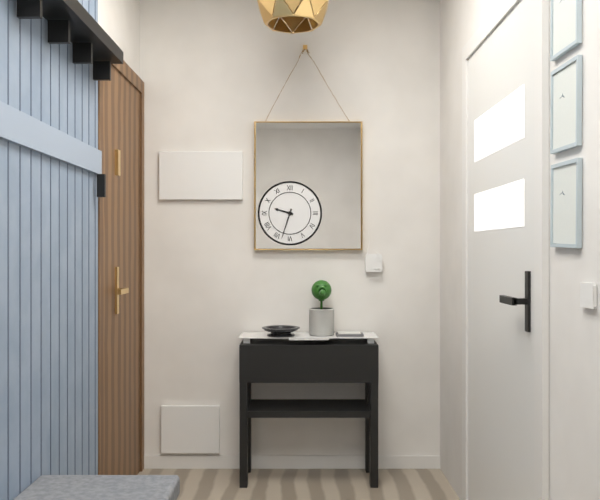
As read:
9.33
